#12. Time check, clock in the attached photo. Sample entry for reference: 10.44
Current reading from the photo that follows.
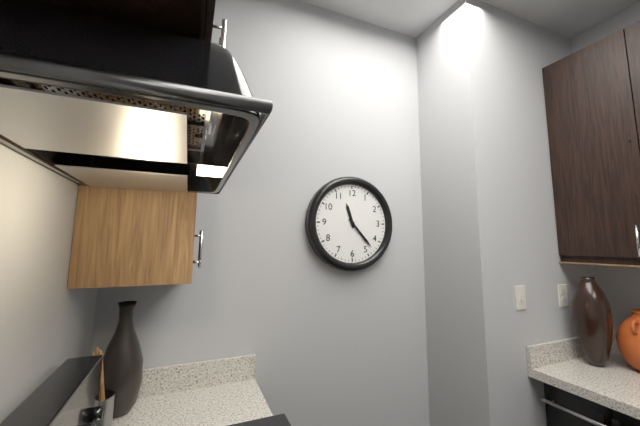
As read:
11.23
